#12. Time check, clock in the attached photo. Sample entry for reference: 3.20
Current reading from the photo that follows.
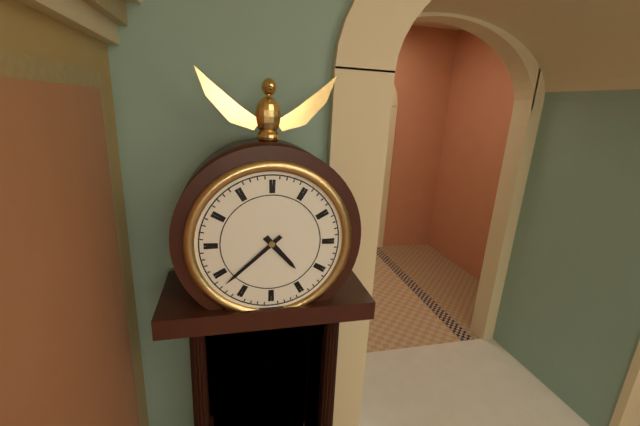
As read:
4.38
